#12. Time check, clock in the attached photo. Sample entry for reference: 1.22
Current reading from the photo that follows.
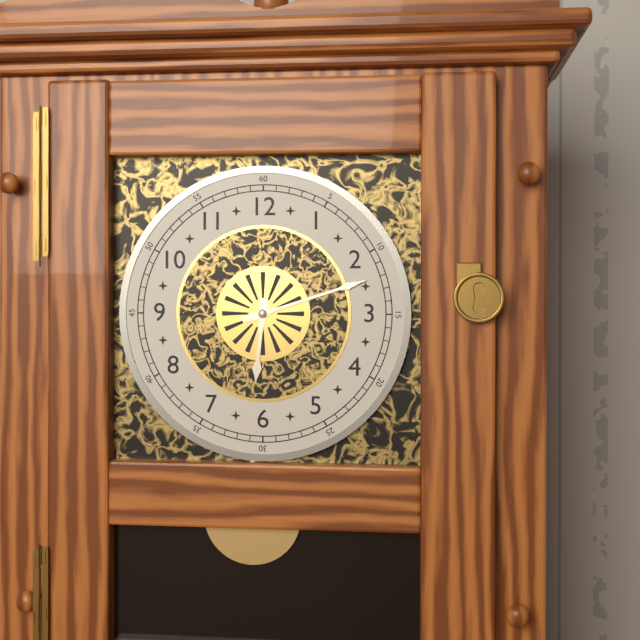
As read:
6.12
